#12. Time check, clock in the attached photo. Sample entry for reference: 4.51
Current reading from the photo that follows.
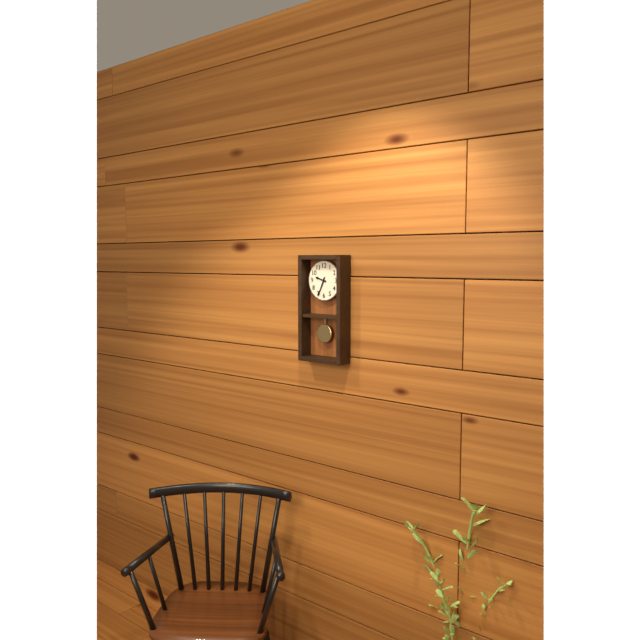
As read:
9.34
